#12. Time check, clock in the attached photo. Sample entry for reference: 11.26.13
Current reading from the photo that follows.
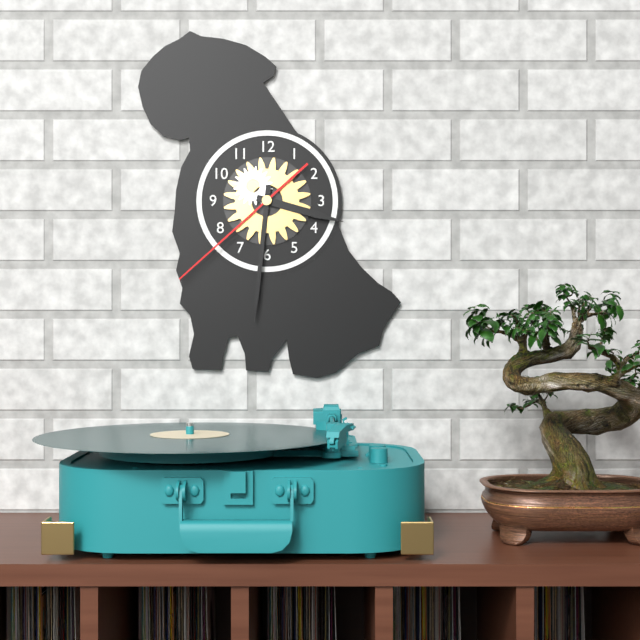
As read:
3.31.38
